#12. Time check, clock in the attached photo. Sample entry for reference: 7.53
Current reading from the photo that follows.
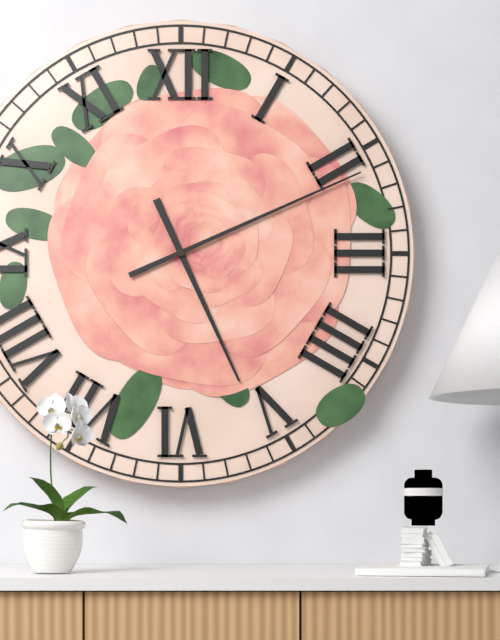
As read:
5.11
